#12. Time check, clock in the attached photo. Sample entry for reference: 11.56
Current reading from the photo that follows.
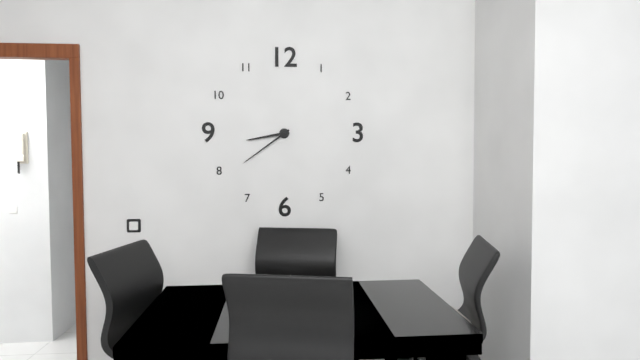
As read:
8.39
